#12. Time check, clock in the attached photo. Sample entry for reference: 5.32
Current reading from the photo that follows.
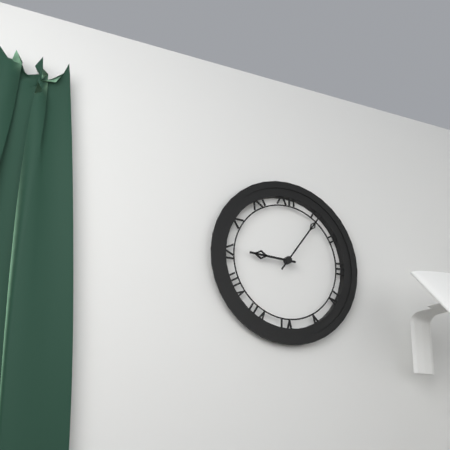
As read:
9.06
